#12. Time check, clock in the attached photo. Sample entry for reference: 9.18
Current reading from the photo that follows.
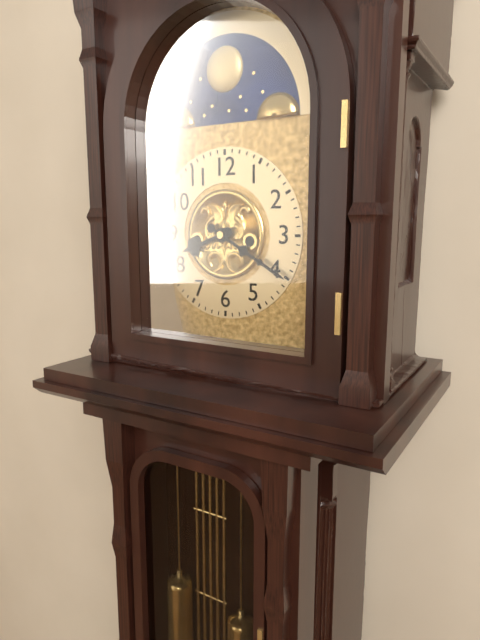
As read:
8.20
